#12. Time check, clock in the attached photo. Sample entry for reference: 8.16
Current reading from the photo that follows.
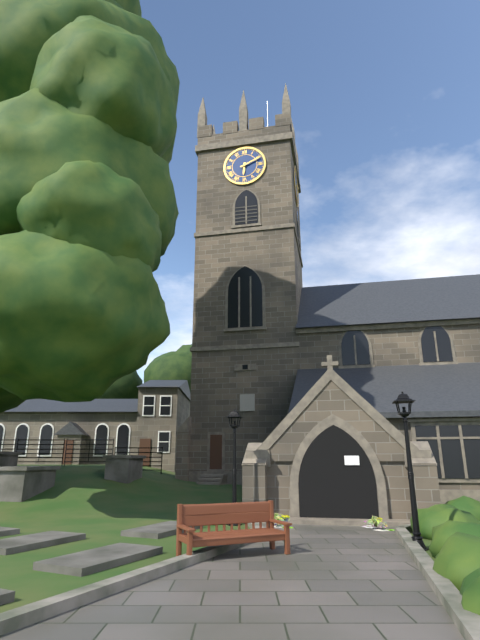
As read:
6.11
